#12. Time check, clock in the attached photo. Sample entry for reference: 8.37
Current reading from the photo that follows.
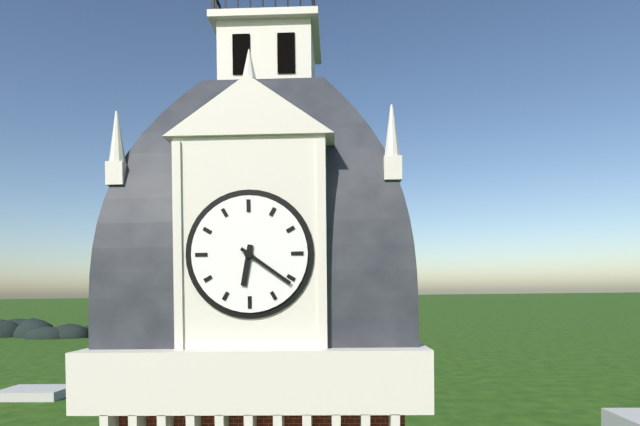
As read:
6.21
